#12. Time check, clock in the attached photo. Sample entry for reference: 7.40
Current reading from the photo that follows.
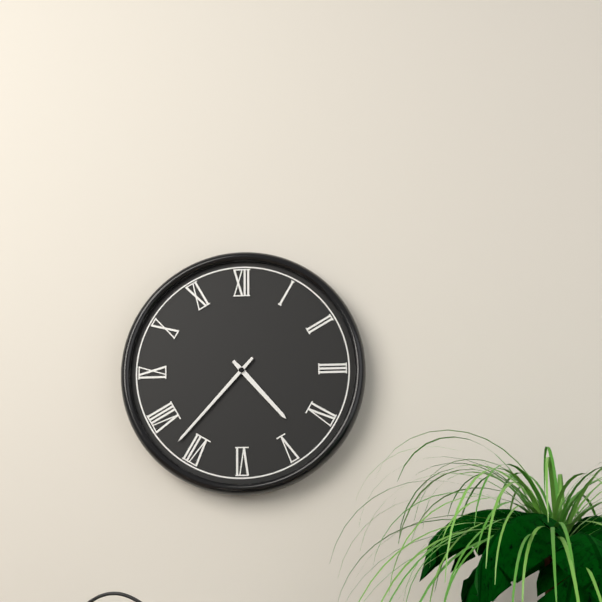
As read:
4.37
